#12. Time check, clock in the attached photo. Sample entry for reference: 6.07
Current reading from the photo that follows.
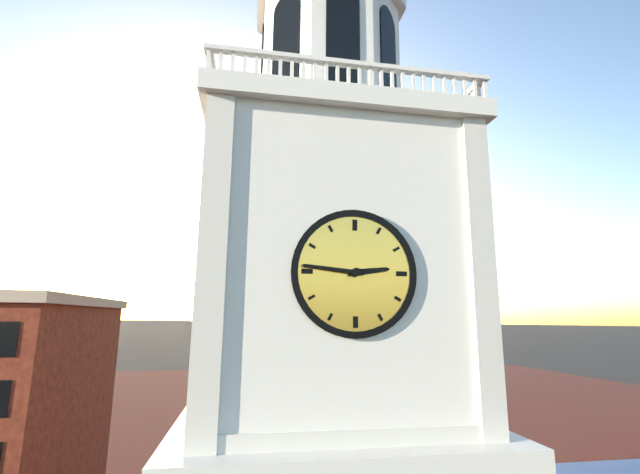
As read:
2.46
